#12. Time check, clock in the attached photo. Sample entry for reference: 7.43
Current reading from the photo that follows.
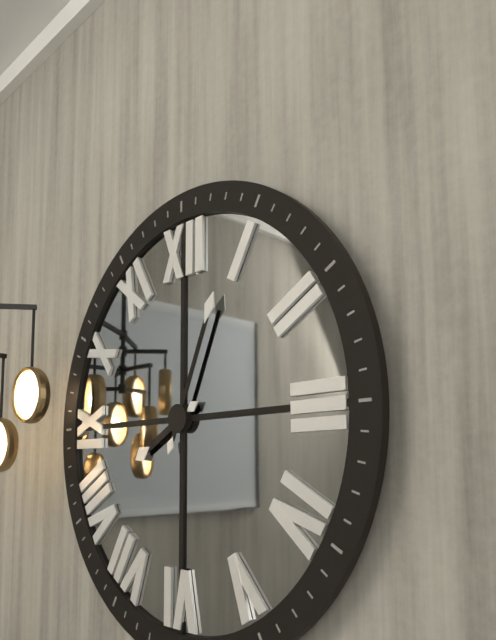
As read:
8.04
